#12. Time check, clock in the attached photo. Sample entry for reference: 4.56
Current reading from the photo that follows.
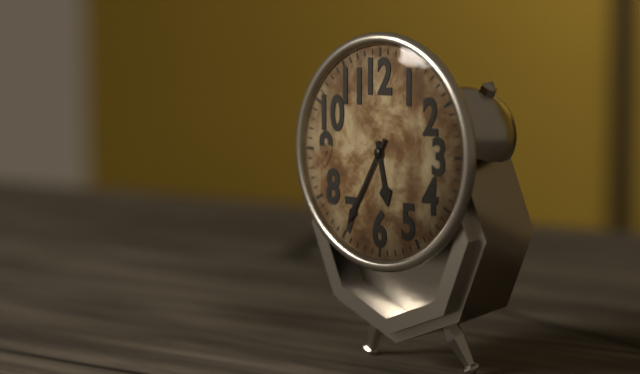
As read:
5.35
